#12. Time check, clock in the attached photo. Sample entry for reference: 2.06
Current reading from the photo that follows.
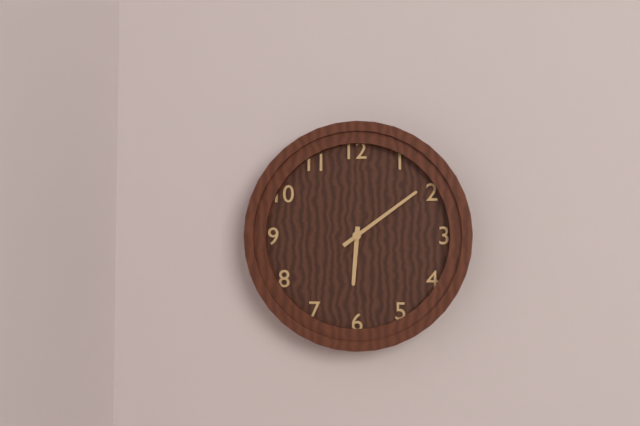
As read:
6.09
